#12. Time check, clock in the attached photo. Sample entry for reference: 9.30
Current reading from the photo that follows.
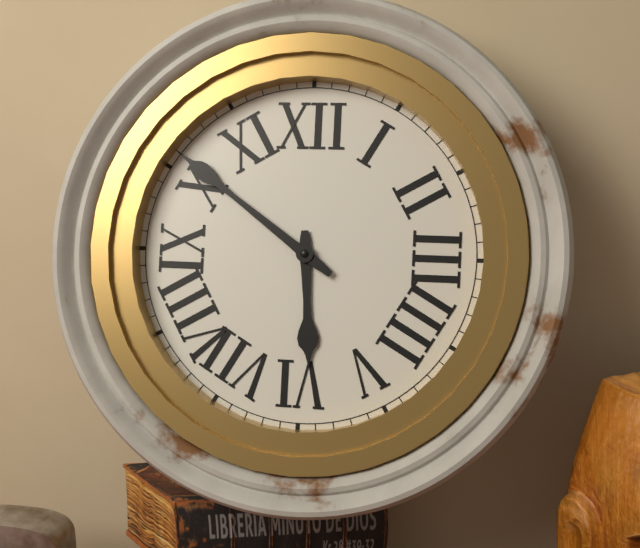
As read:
5.51
